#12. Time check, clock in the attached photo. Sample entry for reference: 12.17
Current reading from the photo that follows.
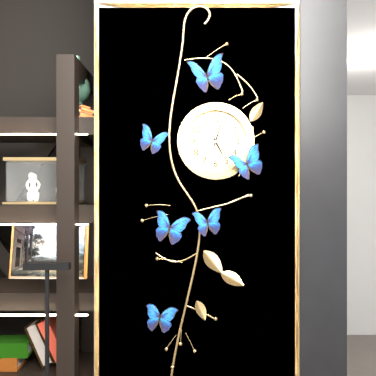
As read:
5.03
